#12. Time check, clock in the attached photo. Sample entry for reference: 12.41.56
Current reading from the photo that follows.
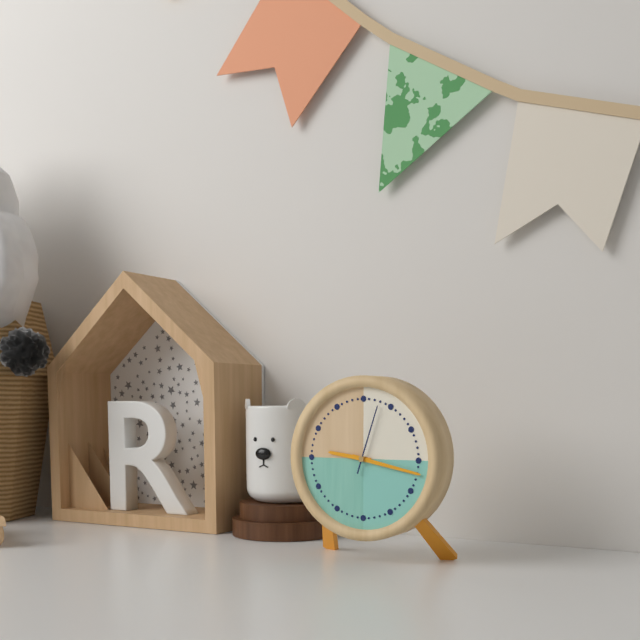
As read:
9.17.03
